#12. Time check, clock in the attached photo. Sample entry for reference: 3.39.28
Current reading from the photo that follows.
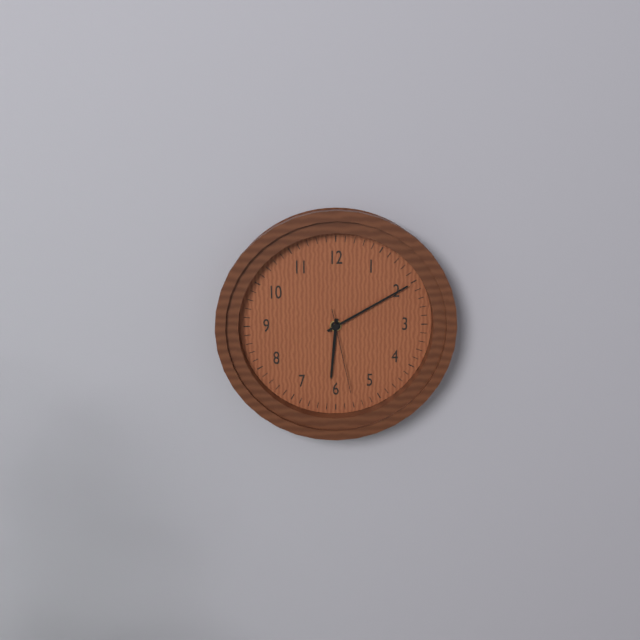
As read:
6.10.28
